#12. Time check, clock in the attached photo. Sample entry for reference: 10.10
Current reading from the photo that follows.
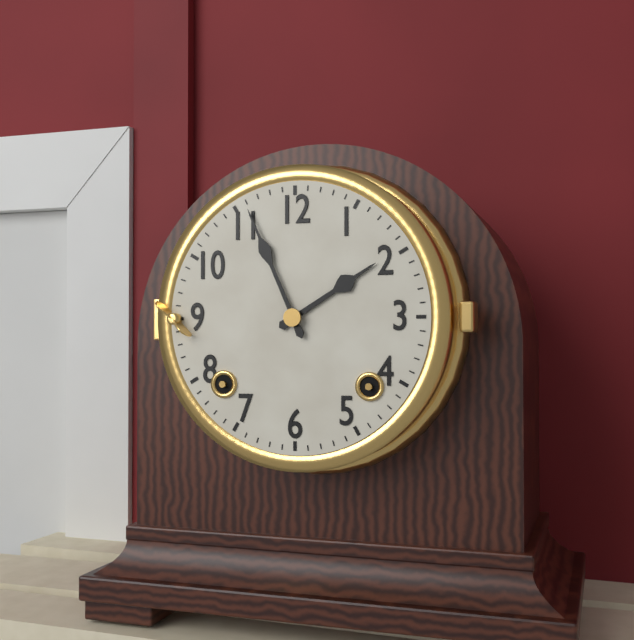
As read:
1.56
